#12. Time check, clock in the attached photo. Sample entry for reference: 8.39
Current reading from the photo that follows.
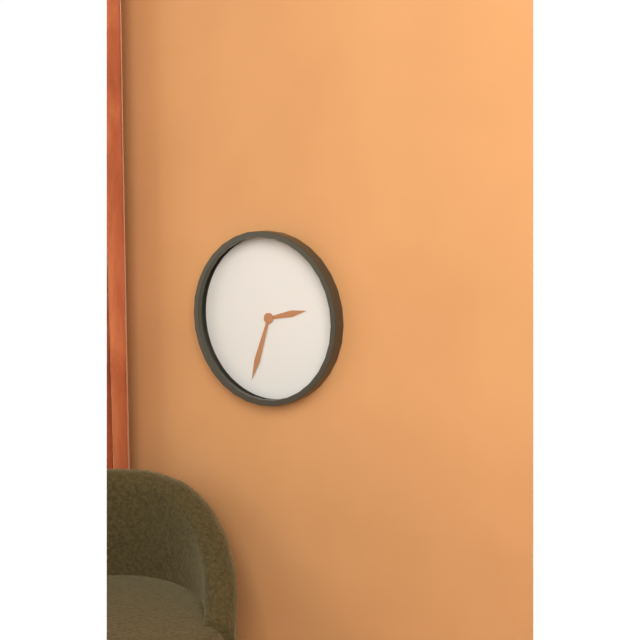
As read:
2.33
